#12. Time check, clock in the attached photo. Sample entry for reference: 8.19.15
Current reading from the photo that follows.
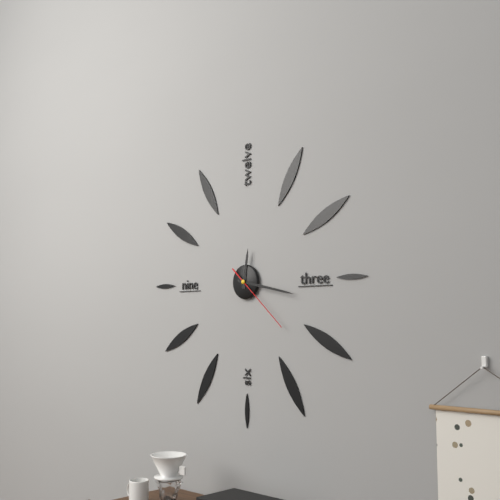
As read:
12.17.22
